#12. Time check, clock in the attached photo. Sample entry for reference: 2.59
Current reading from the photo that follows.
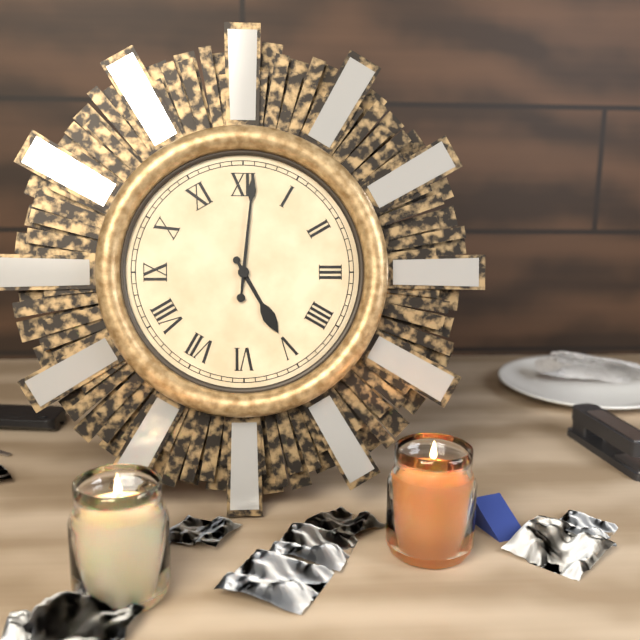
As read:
5.01
